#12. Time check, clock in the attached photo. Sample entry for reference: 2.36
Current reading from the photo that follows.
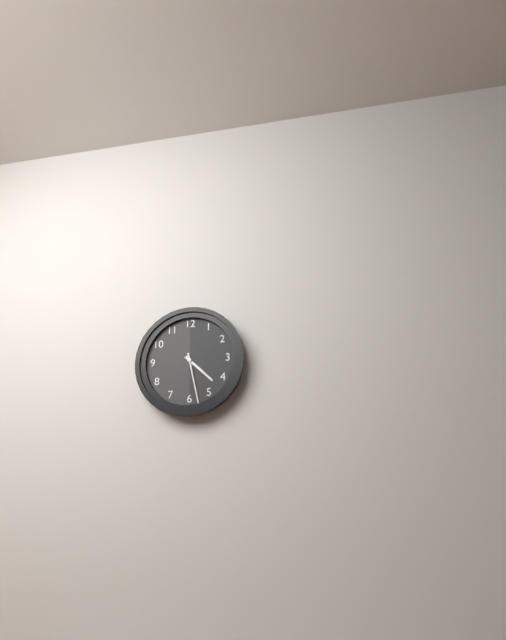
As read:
4.28
